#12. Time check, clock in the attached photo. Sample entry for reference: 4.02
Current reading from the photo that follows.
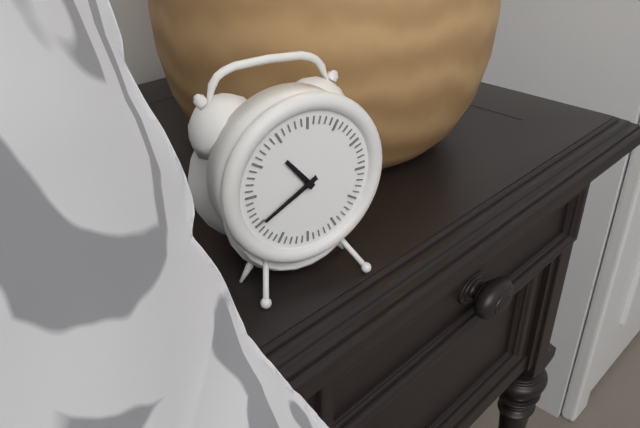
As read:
10.40
